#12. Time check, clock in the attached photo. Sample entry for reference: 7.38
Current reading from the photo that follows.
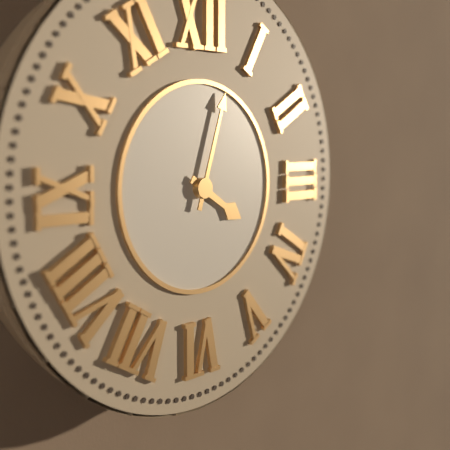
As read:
4.03
